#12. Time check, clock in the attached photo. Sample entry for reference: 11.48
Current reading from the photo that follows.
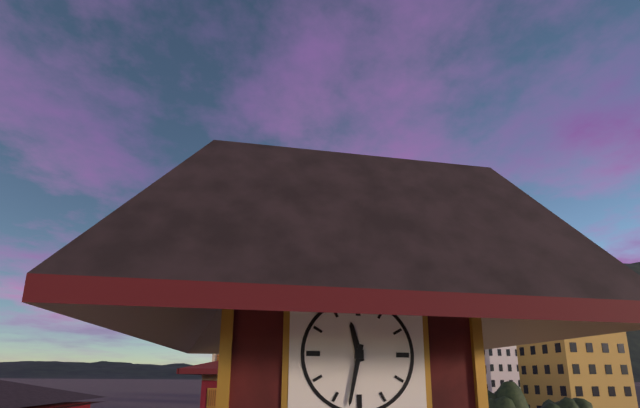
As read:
11.32
